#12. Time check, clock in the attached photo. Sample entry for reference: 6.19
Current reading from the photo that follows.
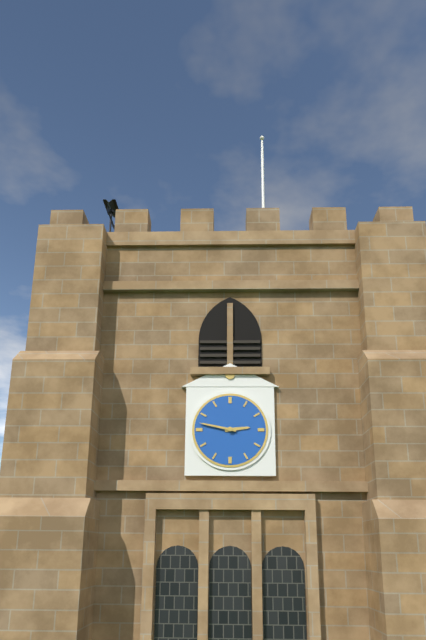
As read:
2.47
